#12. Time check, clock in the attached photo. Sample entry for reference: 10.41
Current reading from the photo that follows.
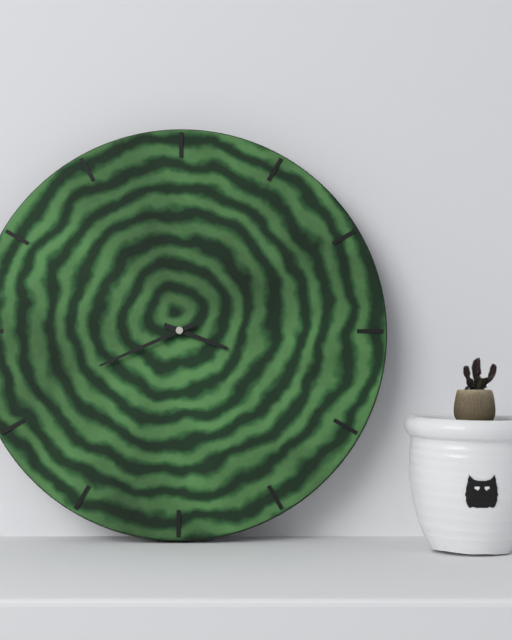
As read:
3.41
